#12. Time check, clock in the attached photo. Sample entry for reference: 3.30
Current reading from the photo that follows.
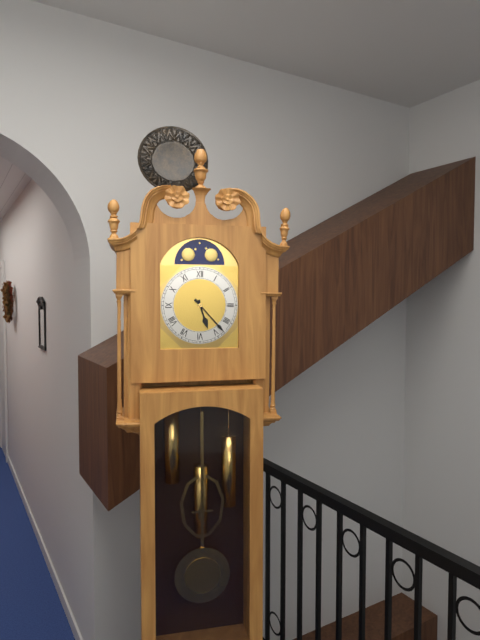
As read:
5.23
